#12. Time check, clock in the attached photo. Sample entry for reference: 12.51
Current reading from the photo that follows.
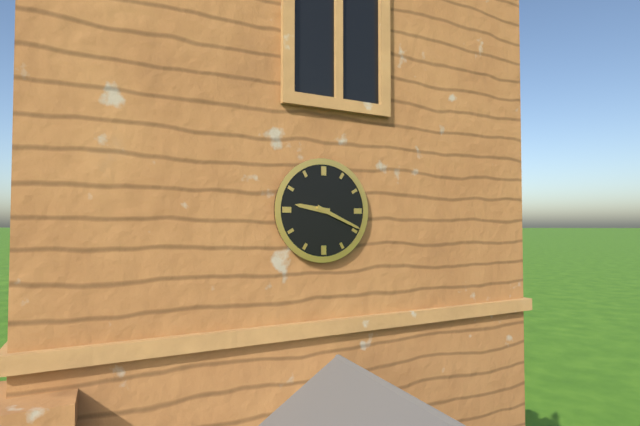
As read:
9.19
